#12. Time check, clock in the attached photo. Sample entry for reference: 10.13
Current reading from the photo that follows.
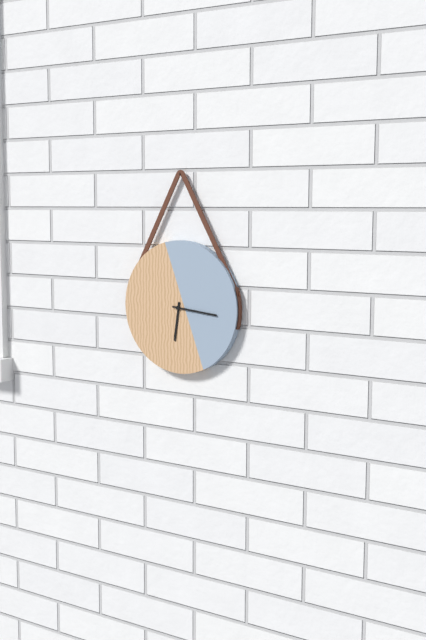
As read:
6.16
